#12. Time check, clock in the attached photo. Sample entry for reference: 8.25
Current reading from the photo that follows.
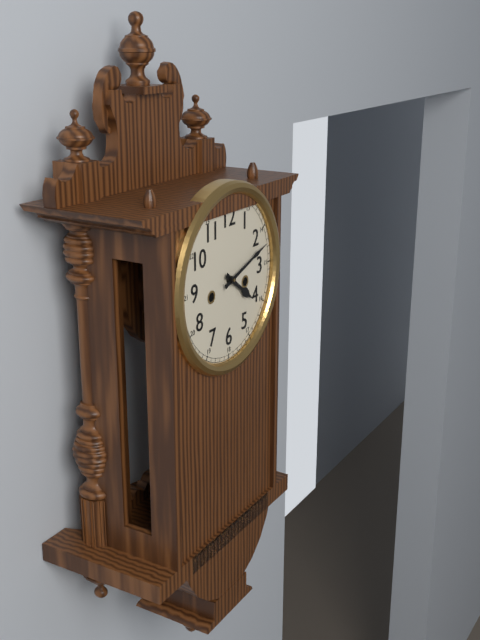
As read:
4.12
